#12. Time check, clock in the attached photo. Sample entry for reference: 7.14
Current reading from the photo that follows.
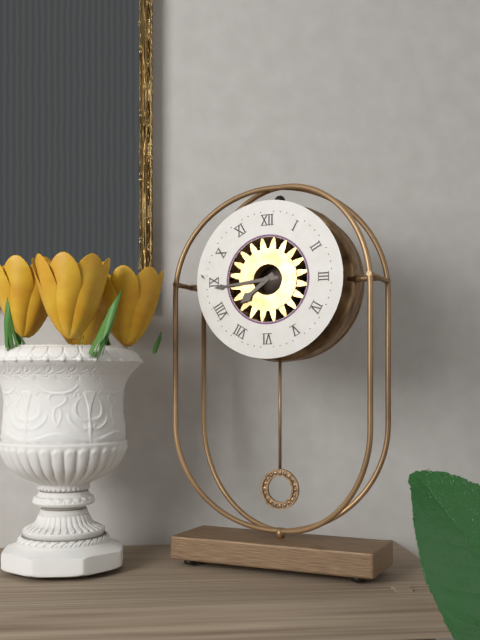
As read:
7.44
